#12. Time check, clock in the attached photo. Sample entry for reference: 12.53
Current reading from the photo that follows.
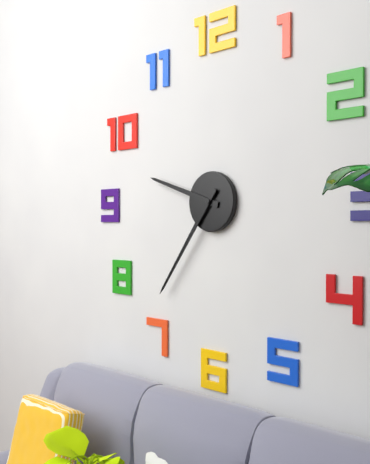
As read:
9.36
